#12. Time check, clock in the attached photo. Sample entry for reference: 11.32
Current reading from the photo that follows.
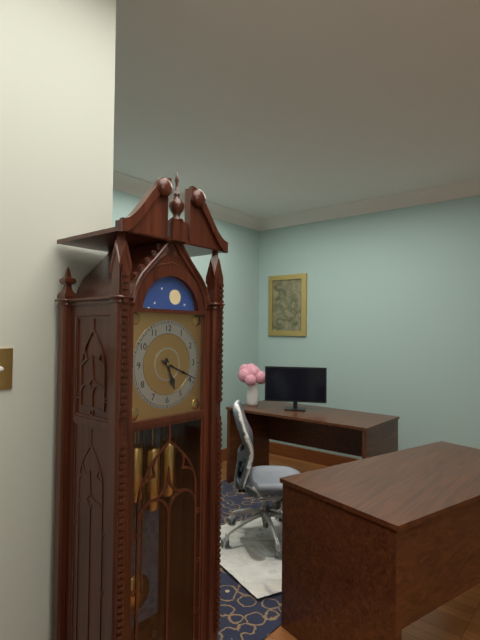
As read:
5.19
